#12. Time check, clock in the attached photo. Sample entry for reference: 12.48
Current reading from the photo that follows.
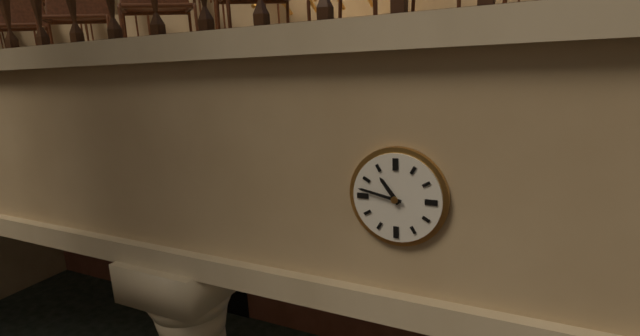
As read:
10.47
